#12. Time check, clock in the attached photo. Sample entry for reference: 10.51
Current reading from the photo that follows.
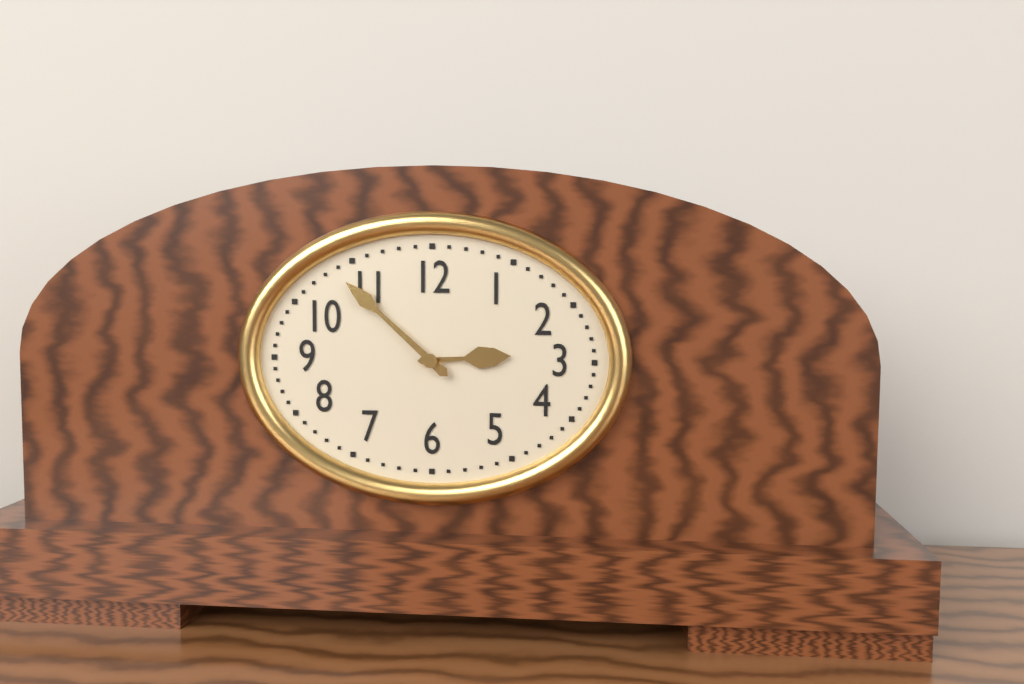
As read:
2.52
